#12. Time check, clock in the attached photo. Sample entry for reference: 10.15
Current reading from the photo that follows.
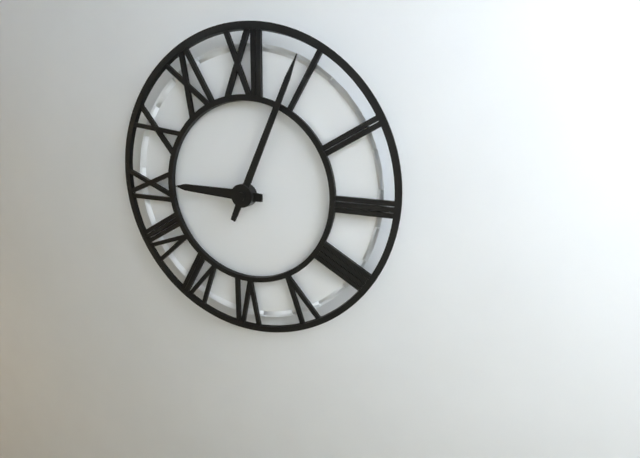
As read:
9.04
